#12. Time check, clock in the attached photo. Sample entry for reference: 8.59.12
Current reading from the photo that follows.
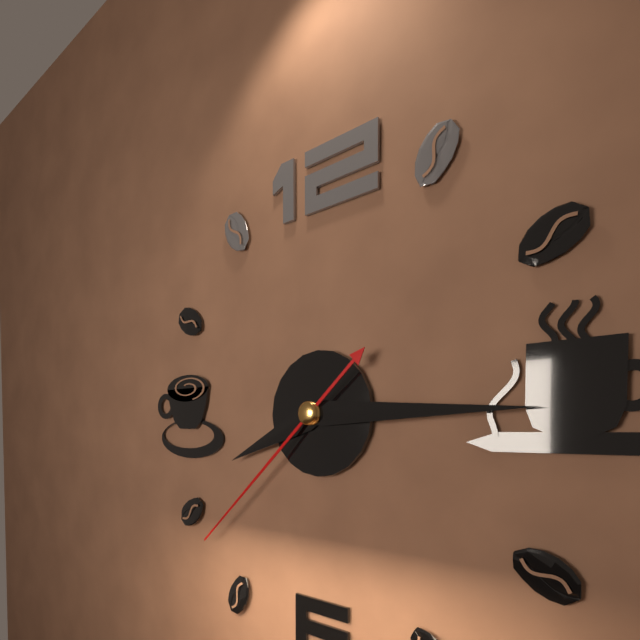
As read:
8.15.38
